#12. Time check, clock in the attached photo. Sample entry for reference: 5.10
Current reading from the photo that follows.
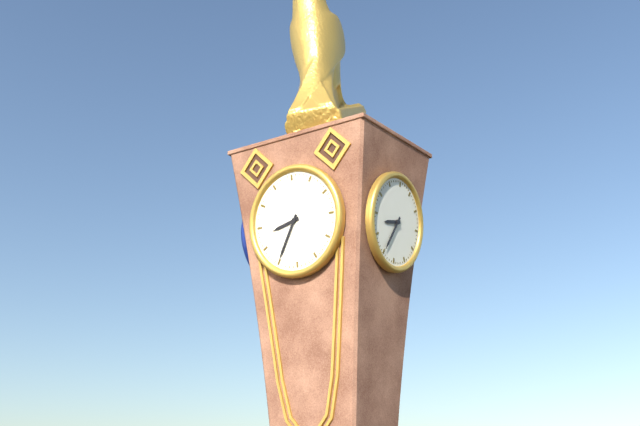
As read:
8.35
